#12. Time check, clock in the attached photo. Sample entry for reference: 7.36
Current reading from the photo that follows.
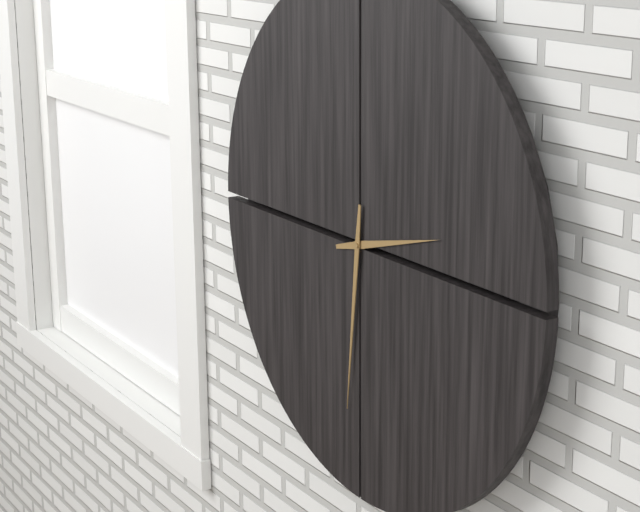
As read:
2.31
